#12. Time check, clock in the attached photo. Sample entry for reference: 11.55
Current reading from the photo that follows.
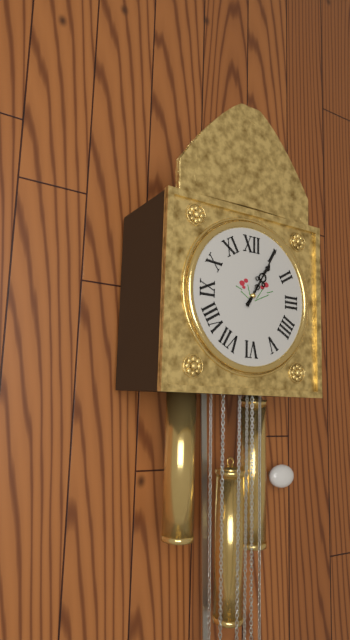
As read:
1.05
